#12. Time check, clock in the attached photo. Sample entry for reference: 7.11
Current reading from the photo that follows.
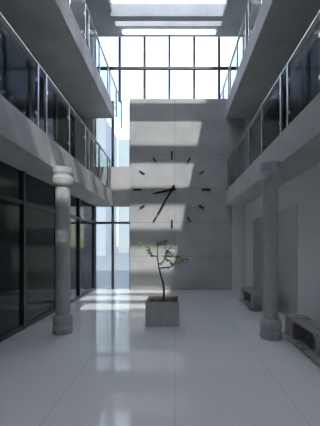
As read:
8.35
